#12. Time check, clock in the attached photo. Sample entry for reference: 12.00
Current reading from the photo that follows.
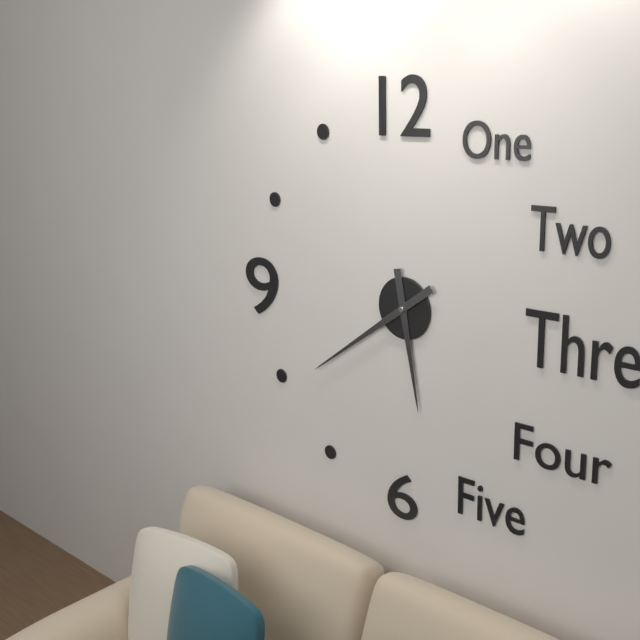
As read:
5.39
